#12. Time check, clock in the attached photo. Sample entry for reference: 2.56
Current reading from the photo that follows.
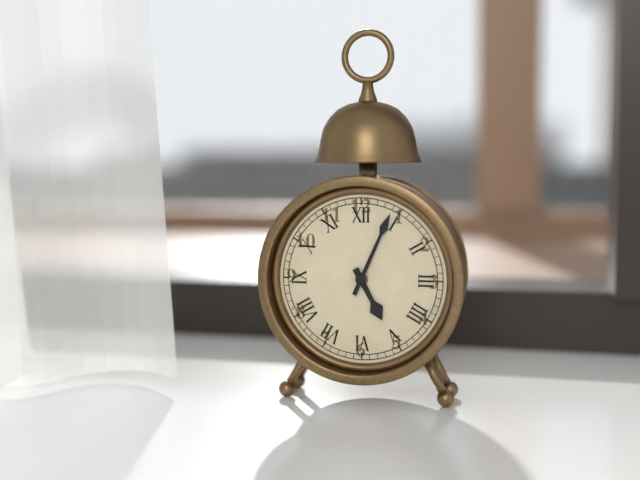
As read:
5.04
